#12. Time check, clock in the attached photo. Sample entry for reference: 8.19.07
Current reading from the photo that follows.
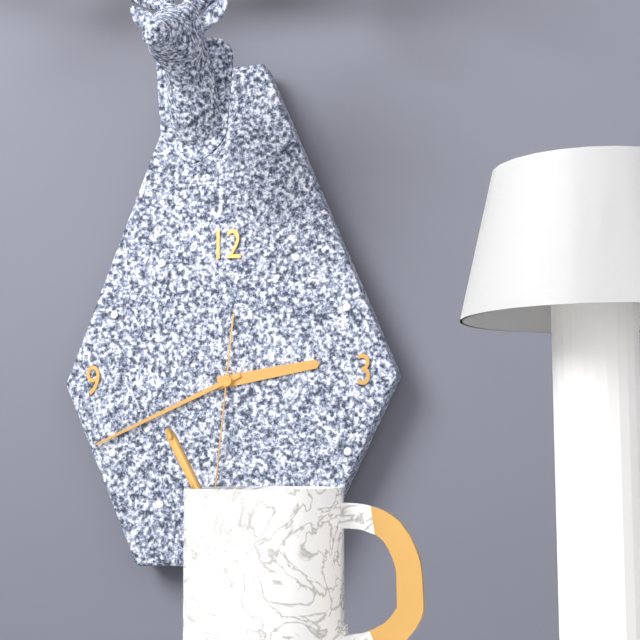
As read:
2.41.31
